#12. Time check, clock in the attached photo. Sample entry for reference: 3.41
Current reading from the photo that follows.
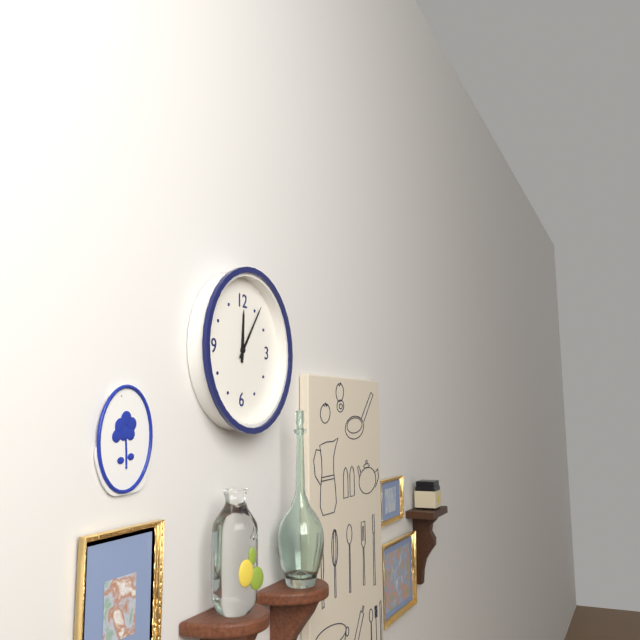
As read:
12.06
